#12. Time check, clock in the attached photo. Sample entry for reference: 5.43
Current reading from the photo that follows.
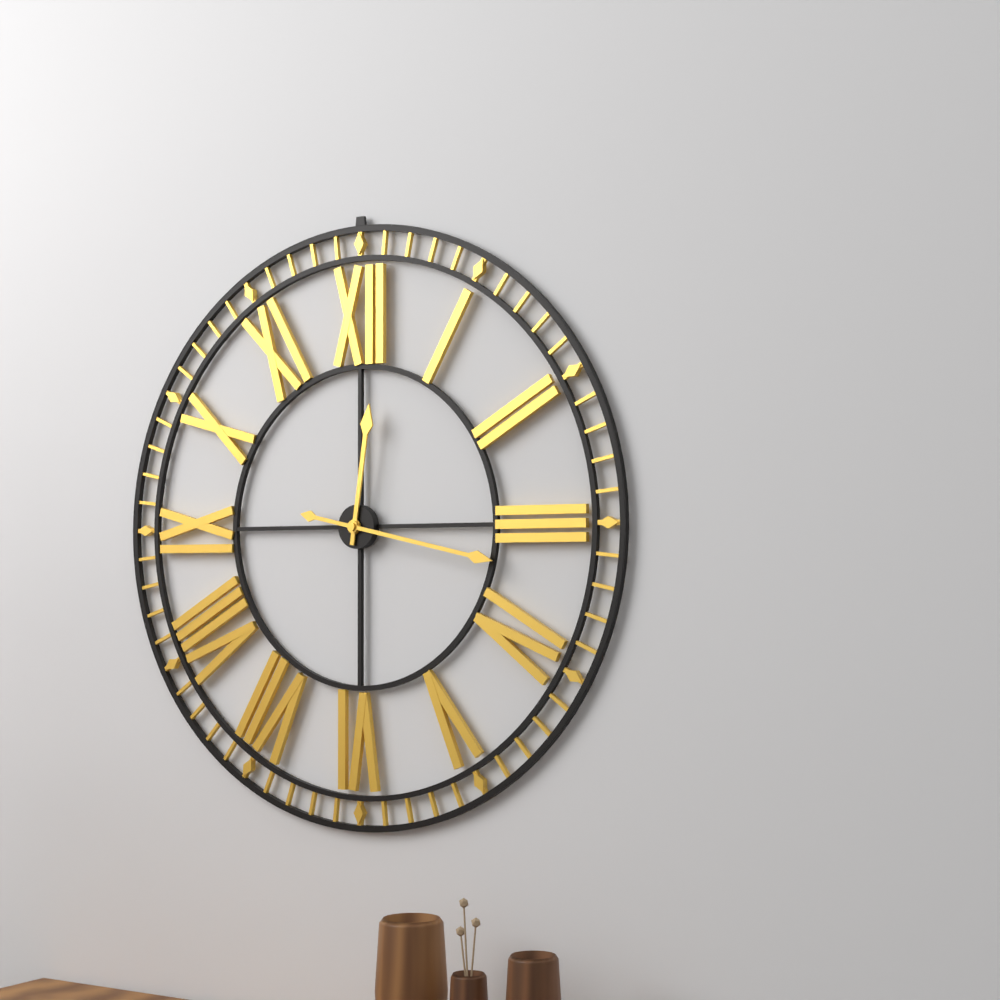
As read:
12.17
